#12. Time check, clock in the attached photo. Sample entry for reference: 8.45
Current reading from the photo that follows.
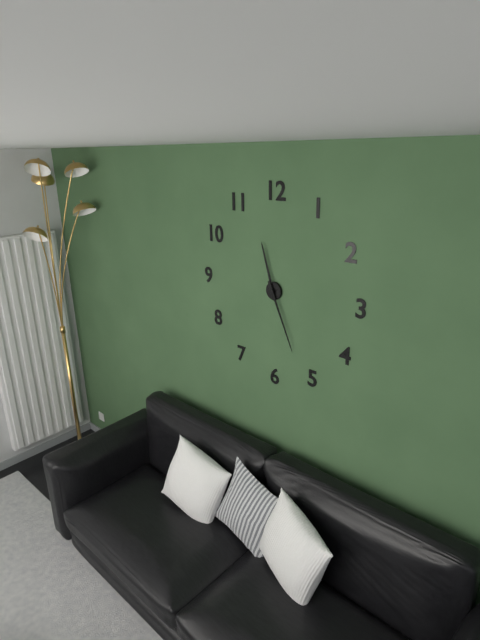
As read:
11.26
